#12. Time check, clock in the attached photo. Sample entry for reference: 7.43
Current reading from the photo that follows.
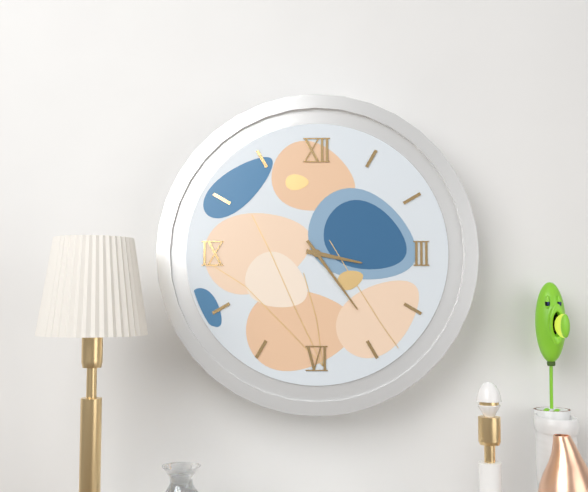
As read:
3.24
